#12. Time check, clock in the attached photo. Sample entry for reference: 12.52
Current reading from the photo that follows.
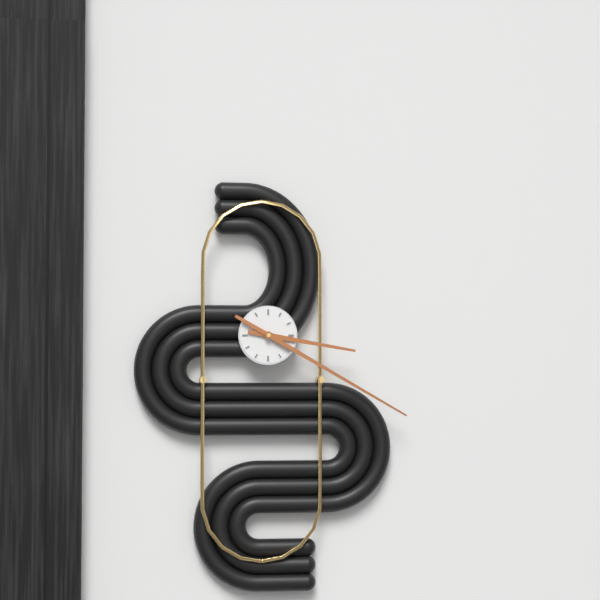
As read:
3.20
